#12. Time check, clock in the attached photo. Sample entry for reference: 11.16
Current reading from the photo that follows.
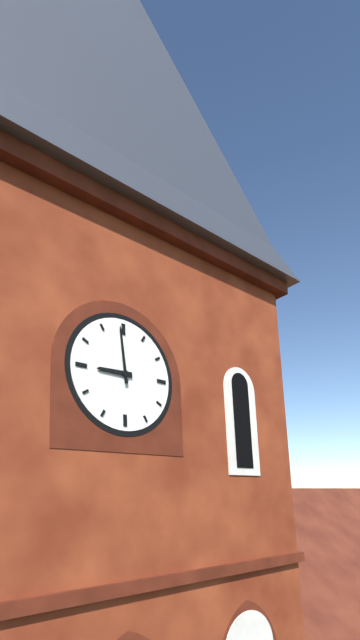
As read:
8.59
